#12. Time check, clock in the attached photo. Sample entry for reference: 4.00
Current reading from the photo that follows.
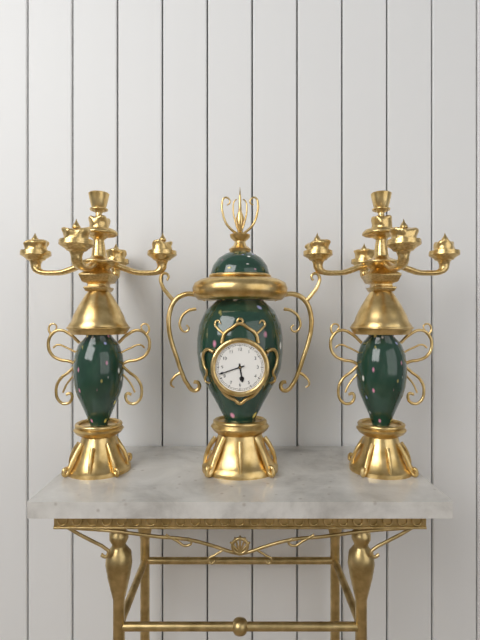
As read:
5.42
